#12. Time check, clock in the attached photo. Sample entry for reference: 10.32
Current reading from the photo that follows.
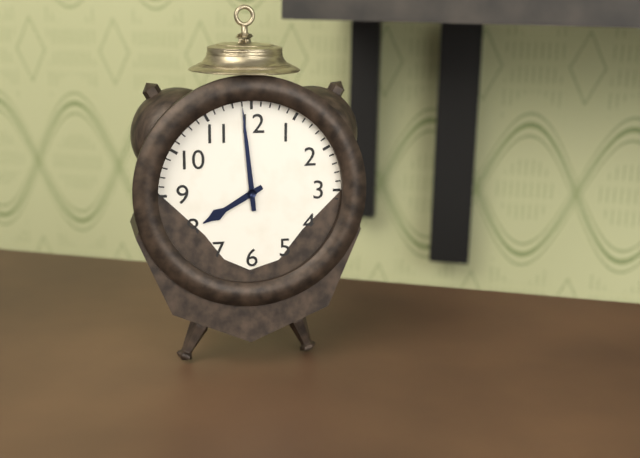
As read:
7.59
